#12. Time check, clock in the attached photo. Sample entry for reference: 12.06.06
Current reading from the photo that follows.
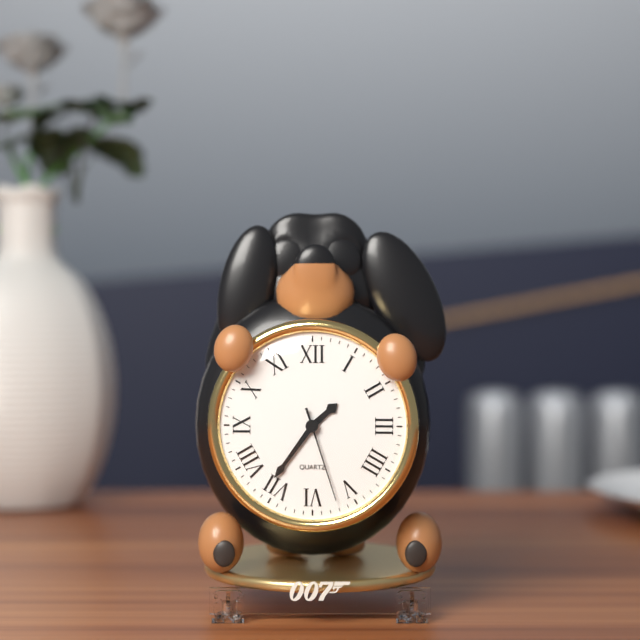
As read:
1.36.27
